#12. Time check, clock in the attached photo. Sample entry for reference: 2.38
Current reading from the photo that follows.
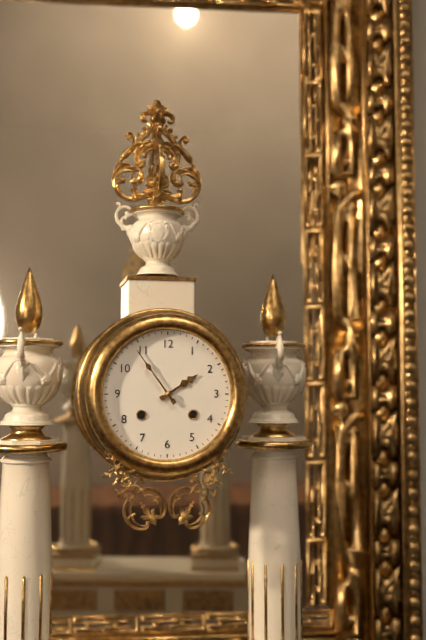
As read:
1.54
